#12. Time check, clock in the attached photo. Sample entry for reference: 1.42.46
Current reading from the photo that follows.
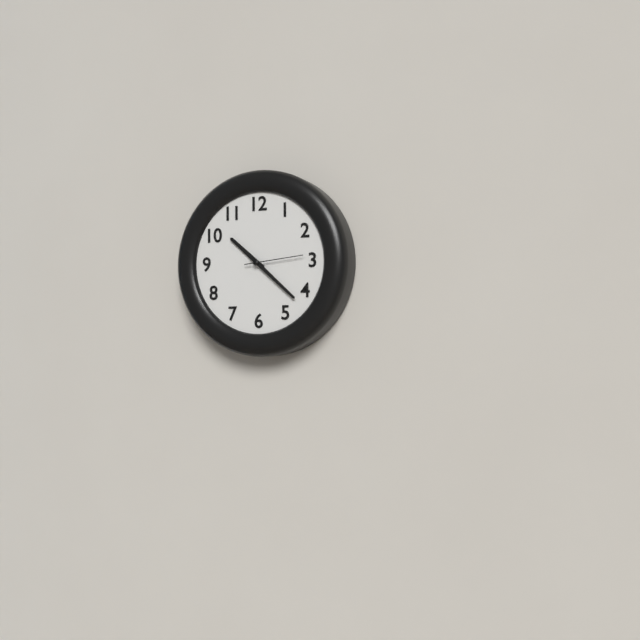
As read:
10.22.14
